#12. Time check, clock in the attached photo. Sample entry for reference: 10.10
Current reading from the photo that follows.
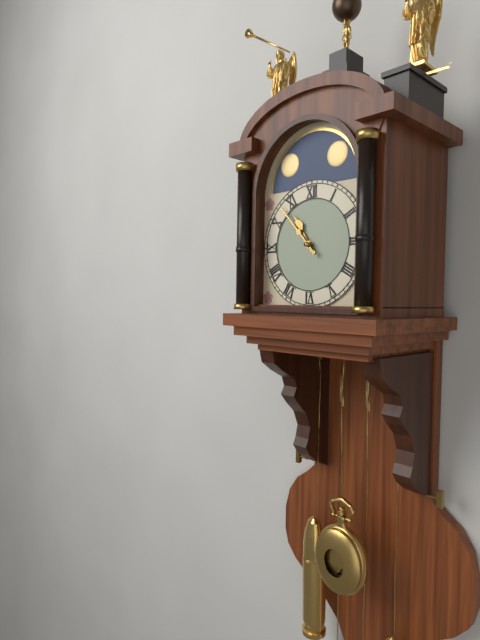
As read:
10.53
